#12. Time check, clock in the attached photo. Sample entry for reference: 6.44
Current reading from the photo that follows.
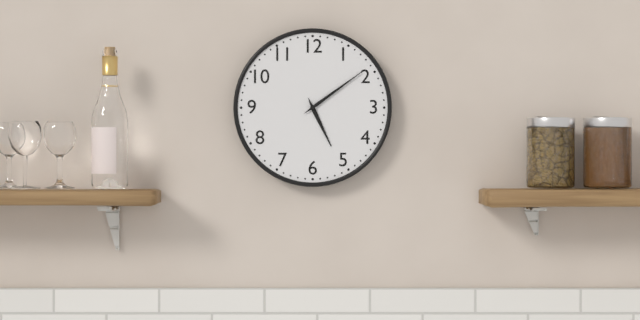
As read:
5.09
